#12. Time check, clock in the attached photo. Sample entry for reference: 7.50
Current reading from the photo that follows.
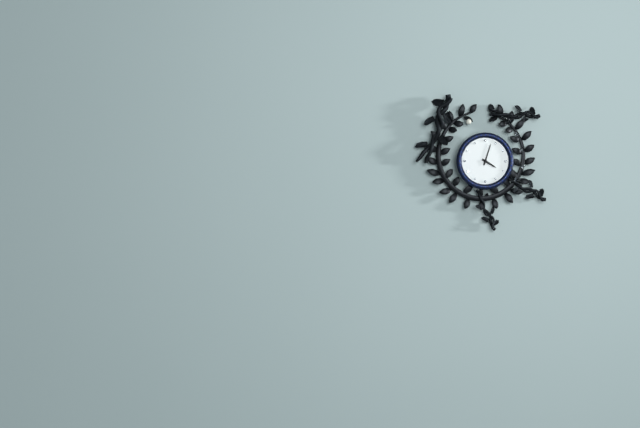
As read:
4.03
